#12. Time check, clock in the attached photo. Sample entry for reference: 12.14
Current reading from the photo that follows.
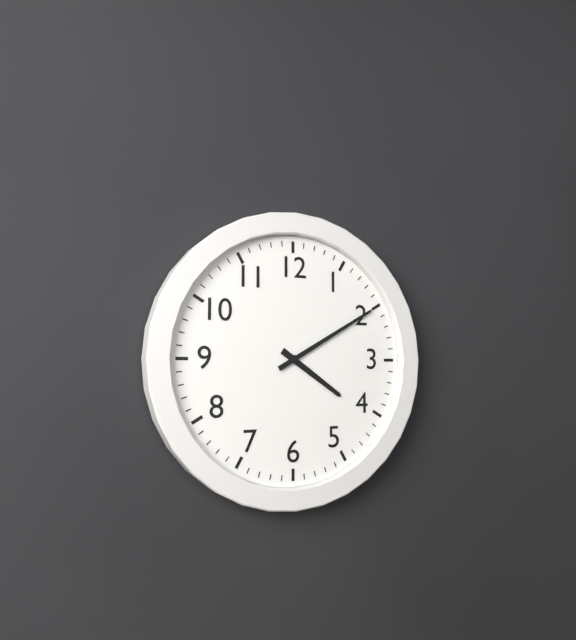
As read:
4.10
